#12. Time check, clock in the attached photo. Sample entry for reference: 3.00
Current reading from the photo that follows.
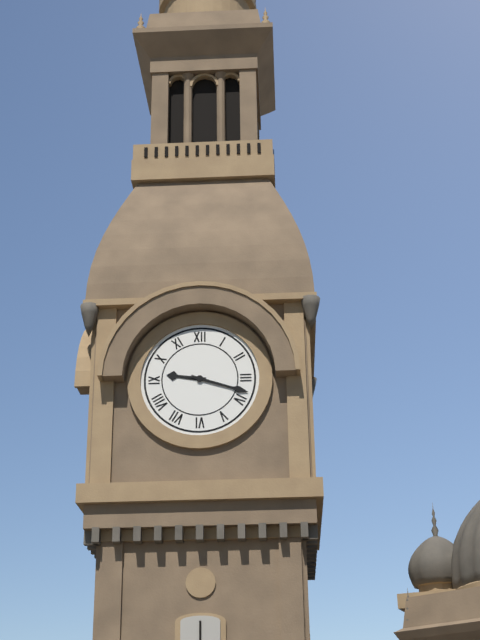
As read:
9.18
